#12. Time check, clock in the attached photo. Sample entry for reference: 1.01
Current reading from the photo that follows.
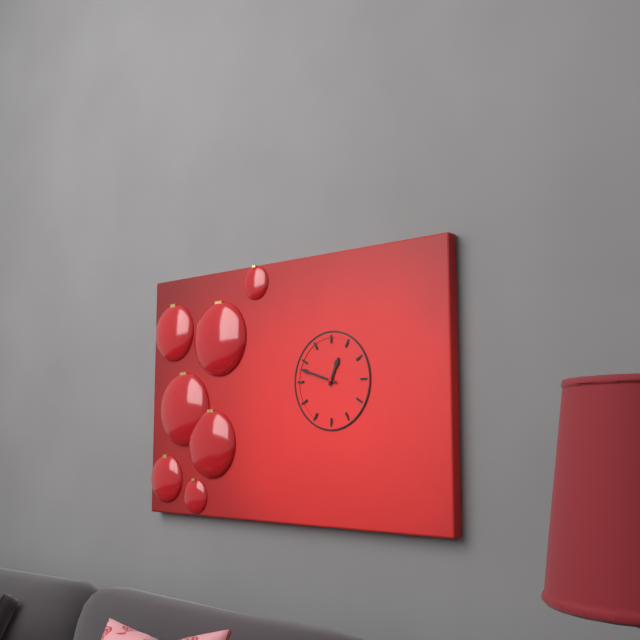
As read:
12.48
